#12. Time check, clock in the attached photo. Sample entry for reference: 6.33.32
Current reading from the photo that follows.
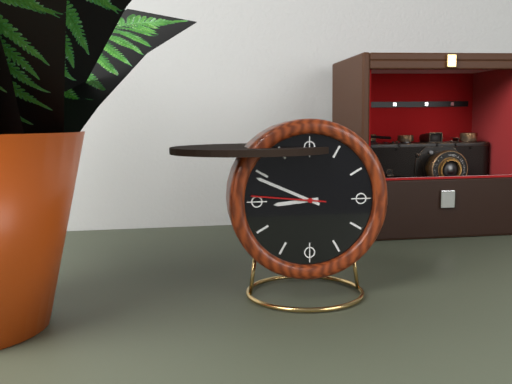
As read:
8.49.46
